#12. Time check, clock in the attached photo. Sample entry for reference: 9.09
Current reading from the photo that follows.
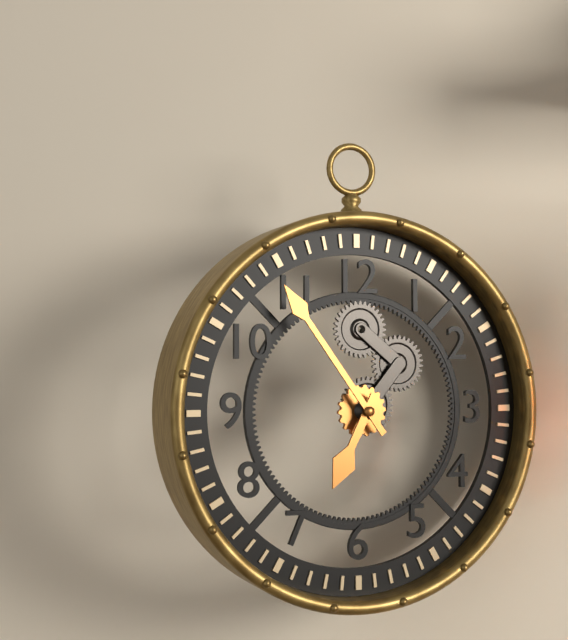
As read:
6.54
